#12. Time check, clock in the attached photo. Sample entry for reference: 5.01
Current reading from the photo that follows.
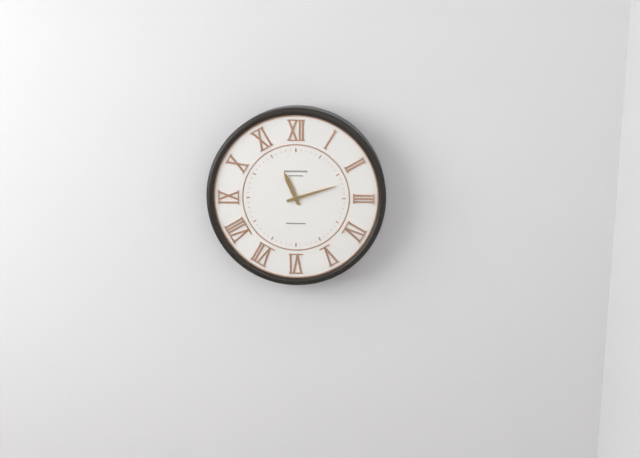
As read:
11.12
